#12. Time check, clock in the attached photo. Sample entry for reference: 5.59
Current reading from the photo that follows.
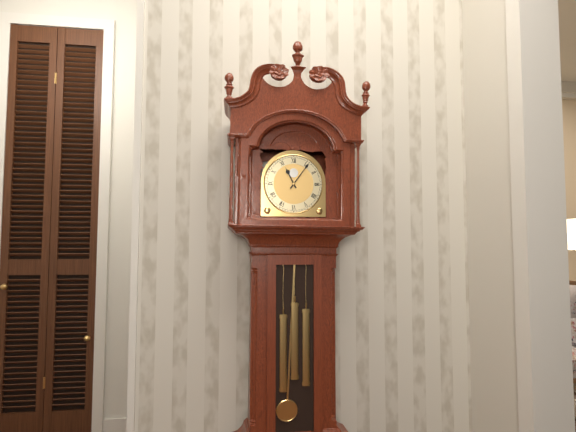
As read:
11.06
